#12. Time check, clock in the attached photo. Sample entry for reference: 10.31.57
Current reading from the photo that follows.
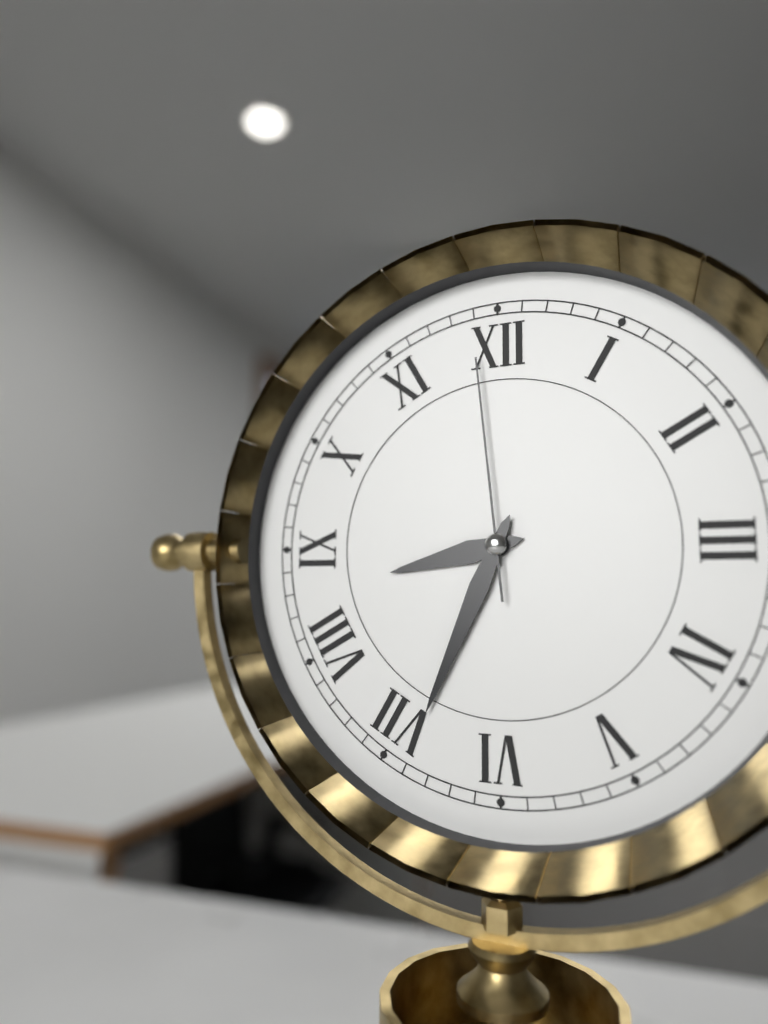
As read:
8.34.59
